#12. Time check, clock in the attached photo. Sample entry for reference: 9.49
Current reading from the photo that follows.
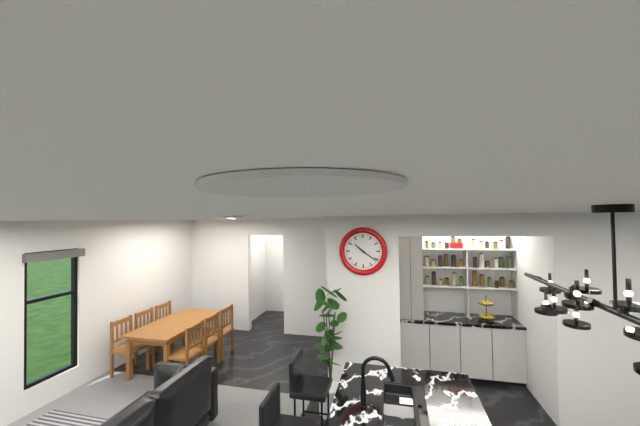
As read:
10.21
